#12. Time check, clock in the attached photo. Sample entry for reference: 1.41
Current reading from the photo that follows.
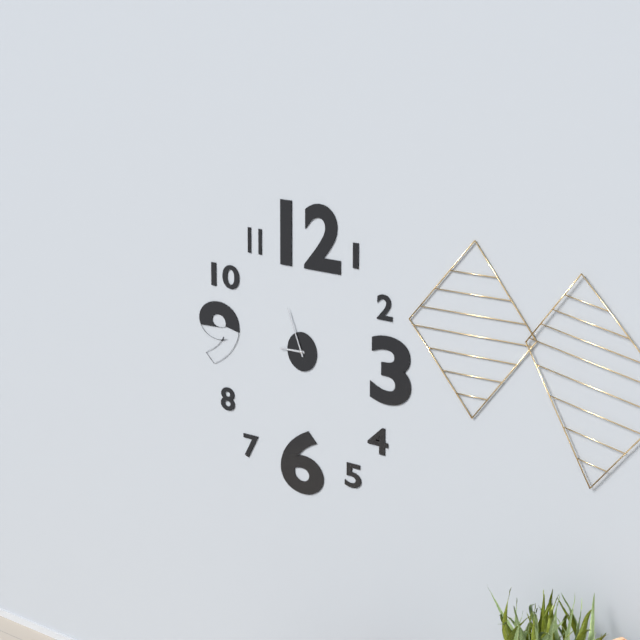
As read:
8.56
